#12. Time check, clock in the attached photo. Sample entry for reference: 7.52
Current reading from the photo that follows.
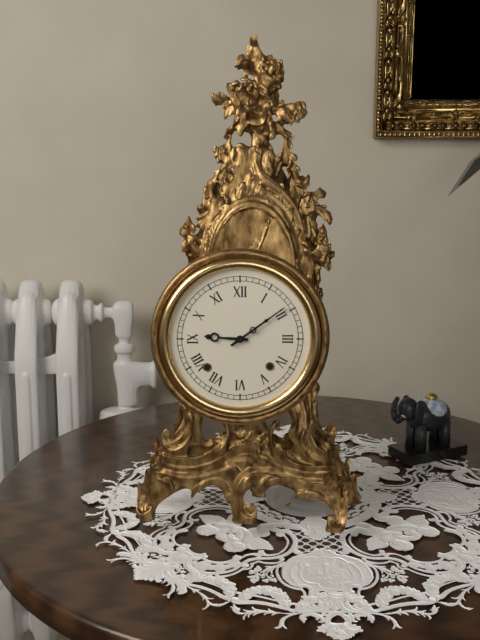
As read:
9.09
